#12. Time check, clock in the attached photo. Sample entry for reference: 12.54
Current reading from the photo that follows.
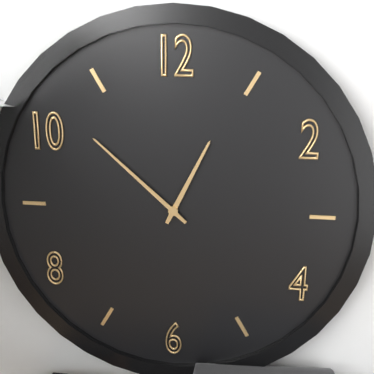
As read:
12.52
